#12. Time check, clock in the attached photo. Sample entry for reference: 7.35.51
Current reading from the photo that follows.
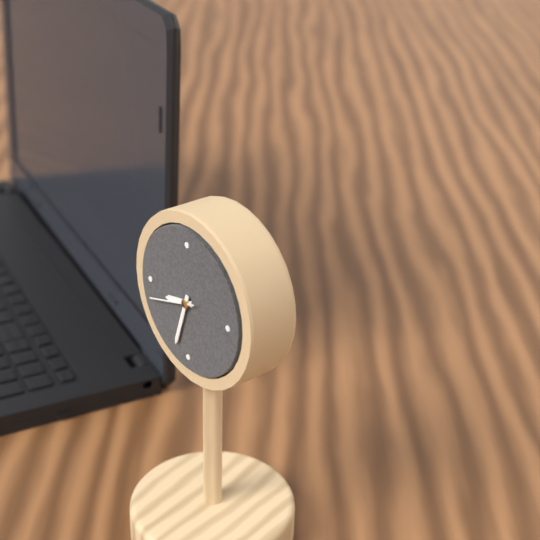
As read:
8.33.42
